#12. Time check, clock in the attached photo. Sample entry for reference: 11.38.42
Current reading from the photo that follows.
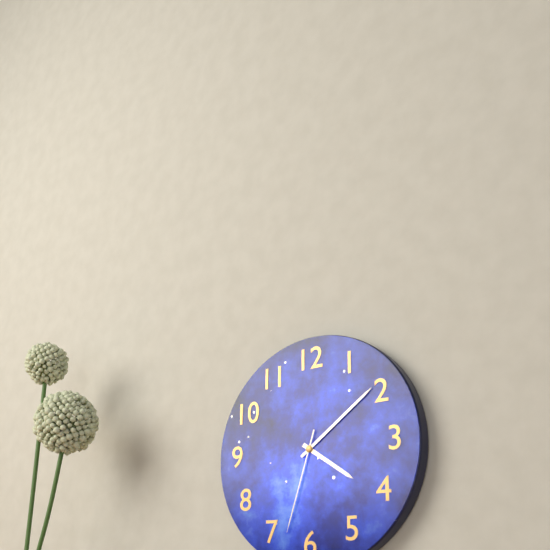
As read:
4.09.33
